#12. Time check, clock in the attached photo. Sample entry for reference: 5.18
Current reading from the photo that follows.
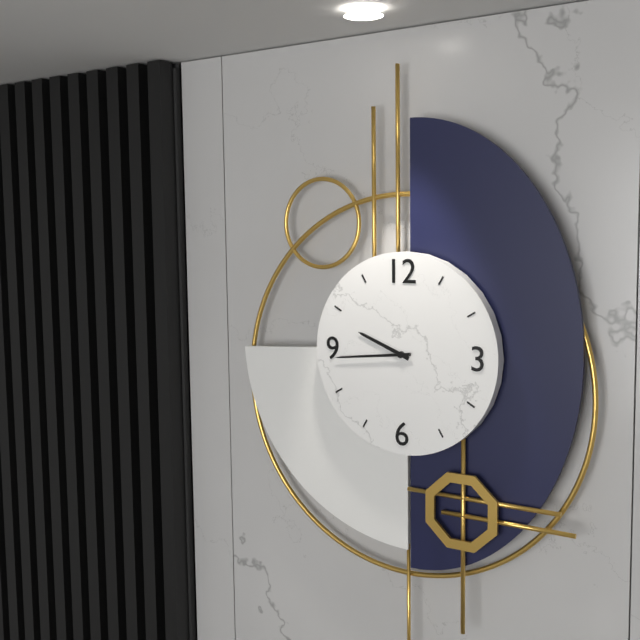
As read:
9.44
